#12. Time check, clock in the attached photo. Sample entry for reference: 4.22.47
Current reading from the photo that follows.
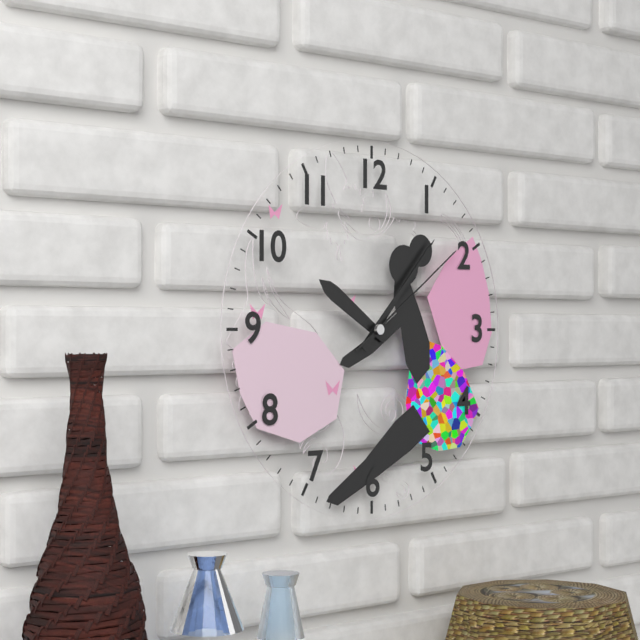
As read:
10.07.09
